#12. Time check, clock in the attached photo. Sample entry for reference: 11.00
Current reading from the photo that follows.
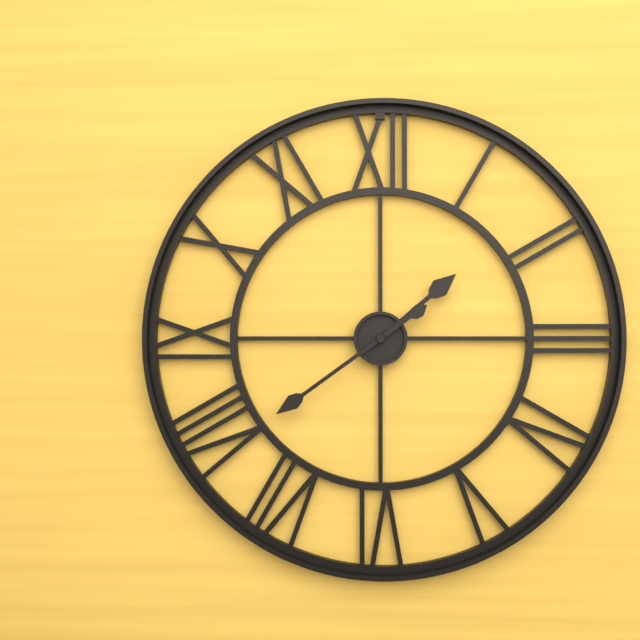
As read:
1.39
